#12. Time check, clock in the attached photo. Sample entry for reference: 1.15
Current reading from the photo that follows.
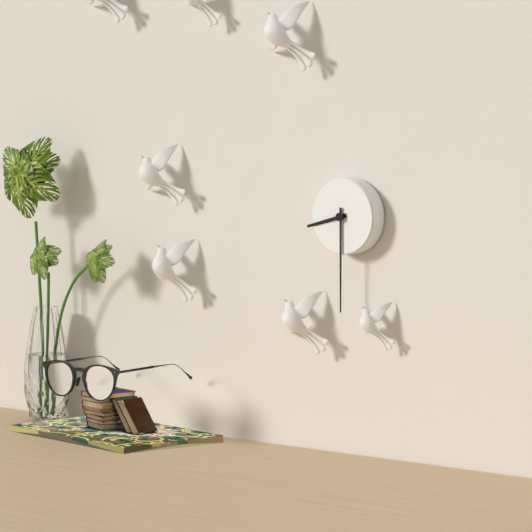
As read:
8.30
